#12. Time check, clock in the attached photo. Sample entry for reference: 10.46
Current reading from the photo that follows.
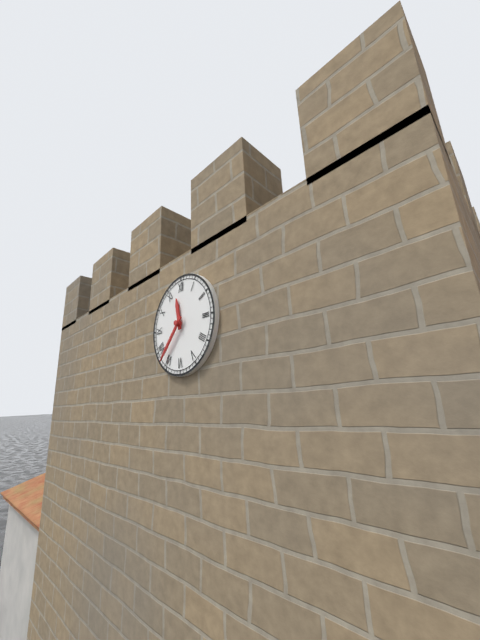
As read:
11.37
